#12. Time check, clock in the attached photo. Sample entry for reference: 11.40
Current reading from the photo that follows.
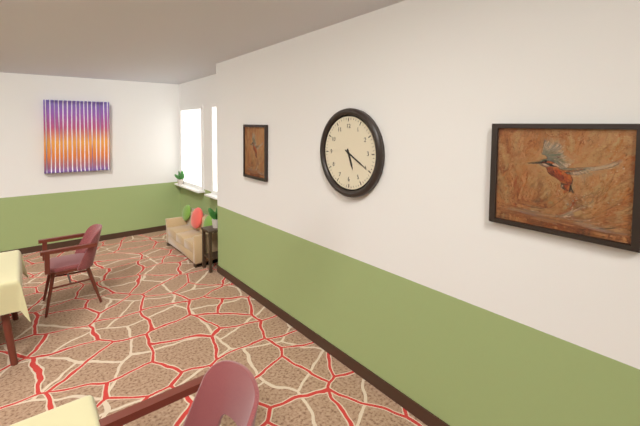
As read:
5.20
